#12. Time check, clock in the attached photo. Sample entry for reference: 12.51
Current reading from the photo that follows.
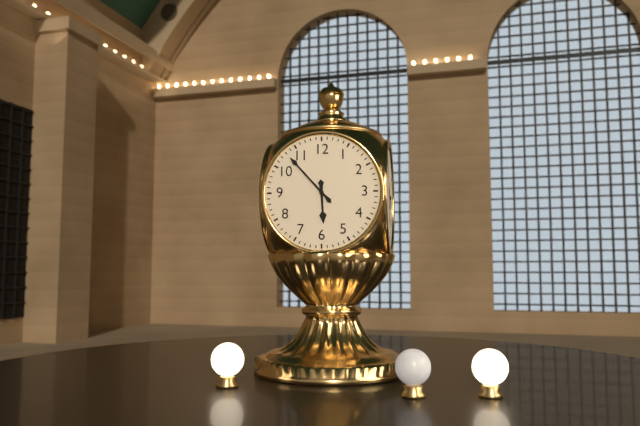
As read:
5.53
